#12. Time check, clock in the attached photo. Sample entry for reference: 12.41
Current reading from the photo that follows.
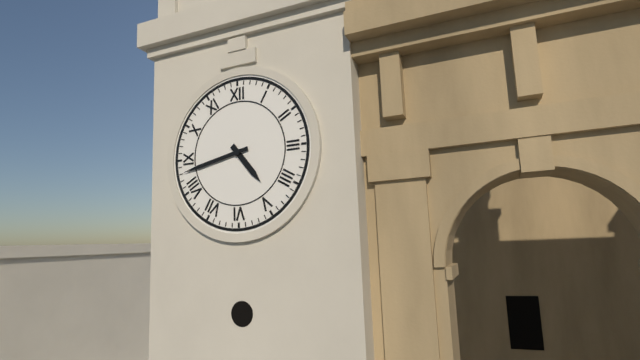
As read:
4.43
